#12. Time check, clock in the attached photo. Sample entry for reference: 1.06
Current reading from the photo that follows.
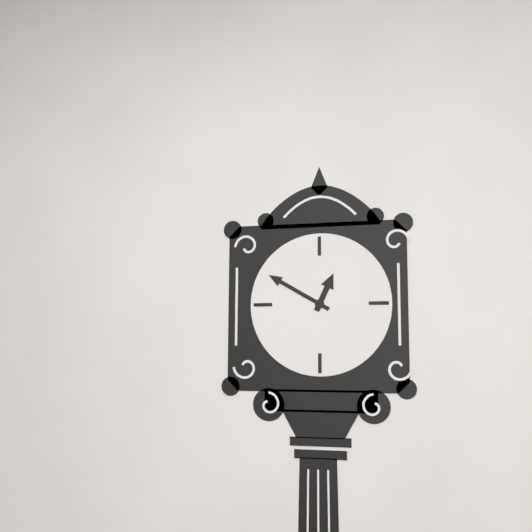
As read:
12.50
